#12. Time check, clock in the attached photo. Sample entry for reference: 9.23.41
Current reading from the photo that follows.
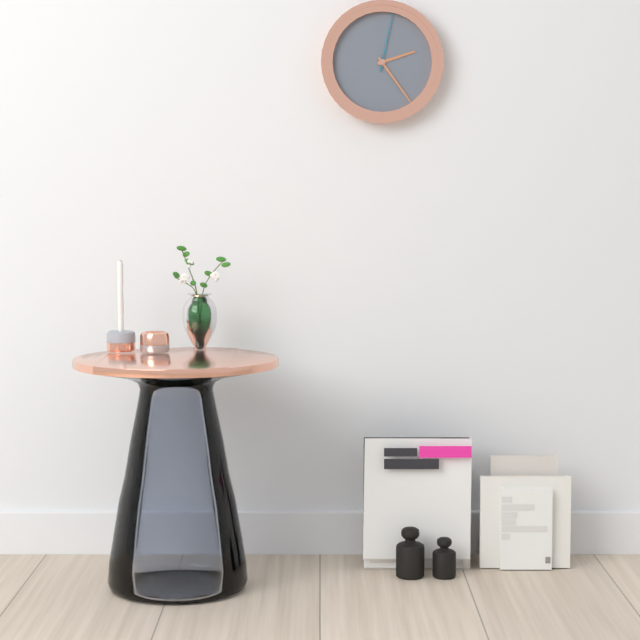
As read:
2.24.02
